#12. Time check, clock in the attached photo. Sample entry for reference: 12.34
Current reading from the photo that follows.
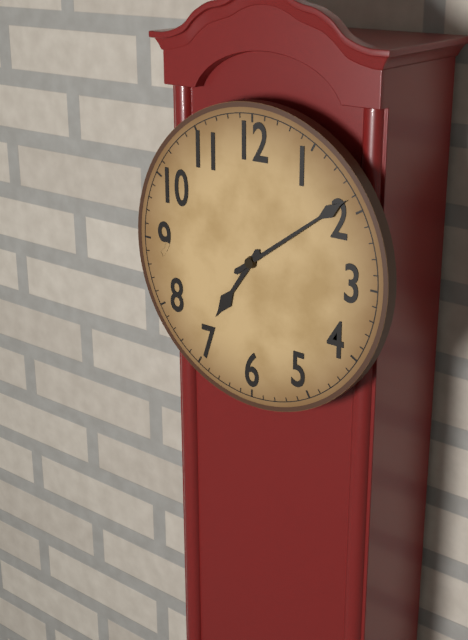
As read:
7.09
